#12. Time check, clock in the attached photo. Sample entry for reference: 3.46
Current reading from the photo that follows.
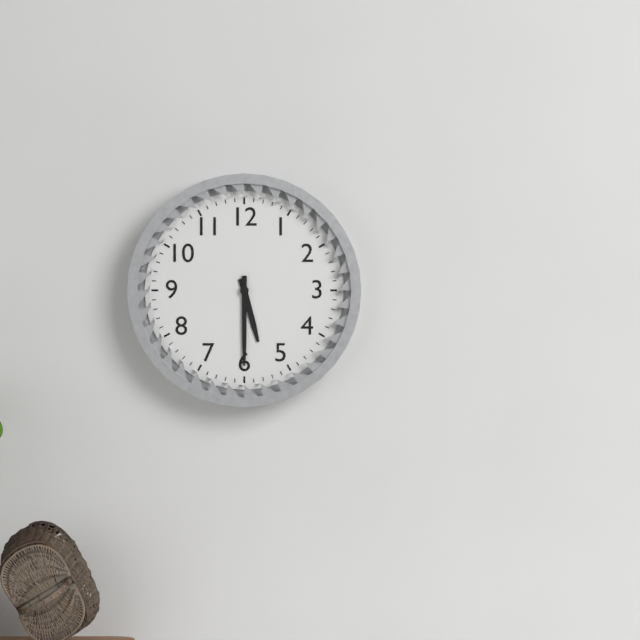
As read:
5.30
